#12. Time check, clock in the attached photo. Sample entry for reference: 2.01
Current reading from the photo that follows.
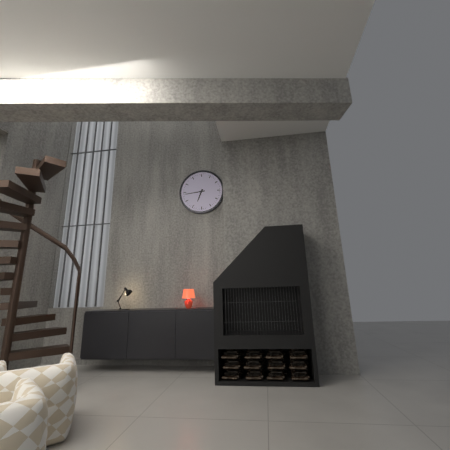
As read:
6.44
